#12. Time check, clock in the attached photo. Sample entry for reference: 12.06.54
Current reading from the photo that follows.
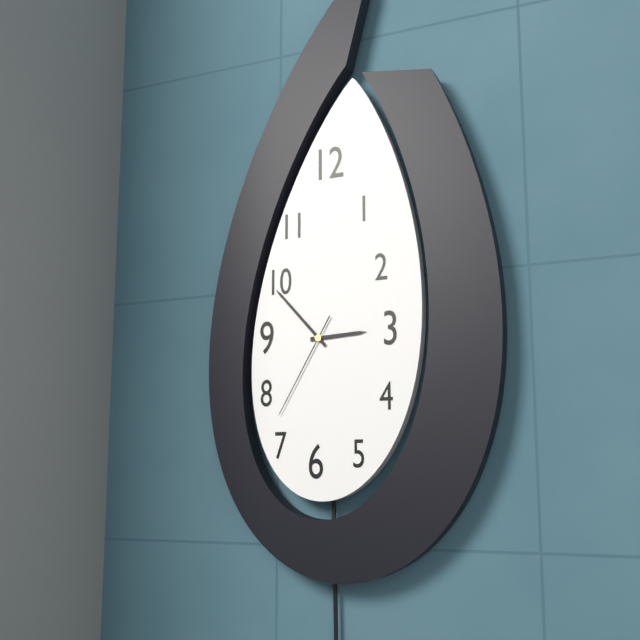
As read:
2.53.35
